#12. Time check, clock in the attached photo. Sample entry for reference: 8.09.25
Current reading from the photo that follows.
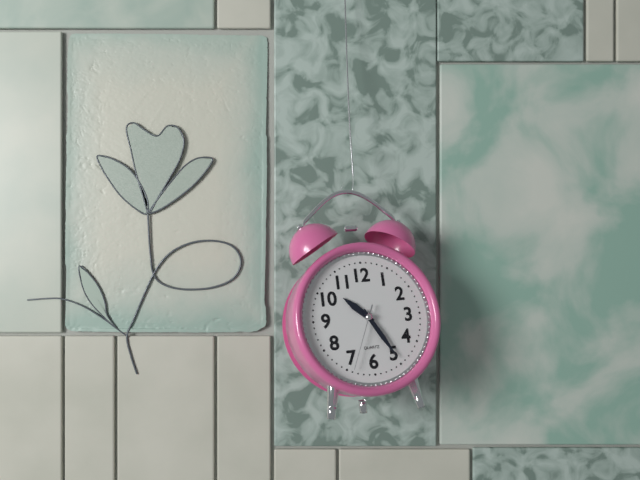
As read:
10.25.34
